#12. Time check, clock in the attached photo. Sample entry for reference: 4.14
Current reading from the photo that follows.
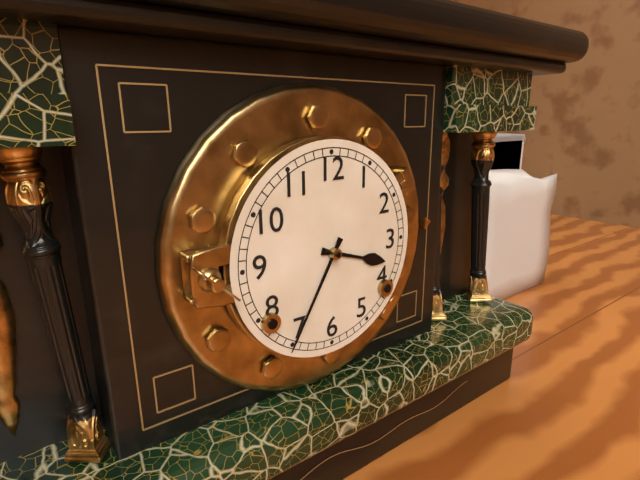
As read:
3.35
